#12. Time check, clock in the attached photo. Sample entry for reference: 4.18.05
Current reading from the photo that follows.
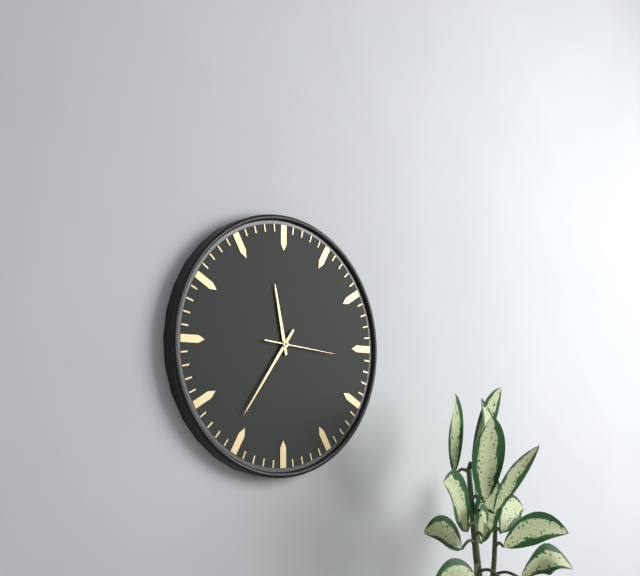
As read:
11.36.16
